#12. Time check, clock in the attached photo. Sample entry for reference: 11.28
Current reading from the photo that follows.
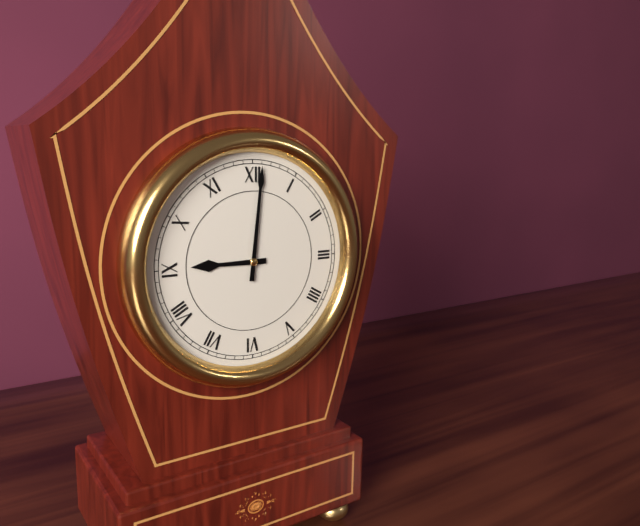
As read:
9.01
